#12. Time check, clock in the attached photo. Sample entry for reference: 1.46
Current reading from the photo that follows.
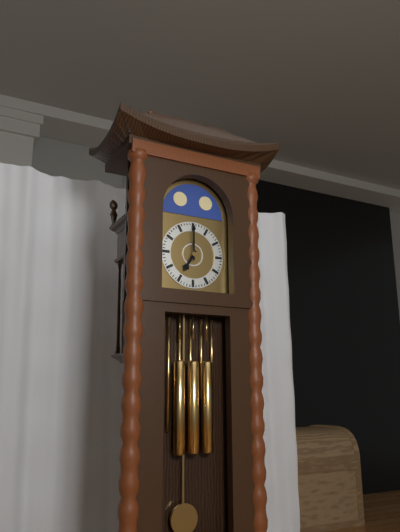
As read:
7.00
